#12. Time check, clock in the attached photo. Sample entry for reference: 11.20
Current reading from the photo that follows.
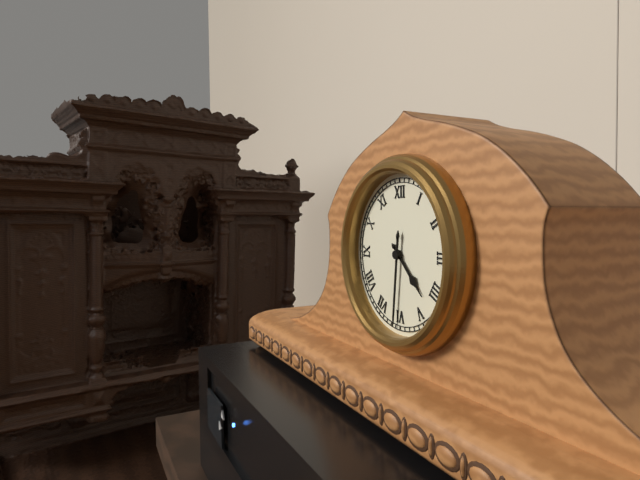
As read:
4.31
